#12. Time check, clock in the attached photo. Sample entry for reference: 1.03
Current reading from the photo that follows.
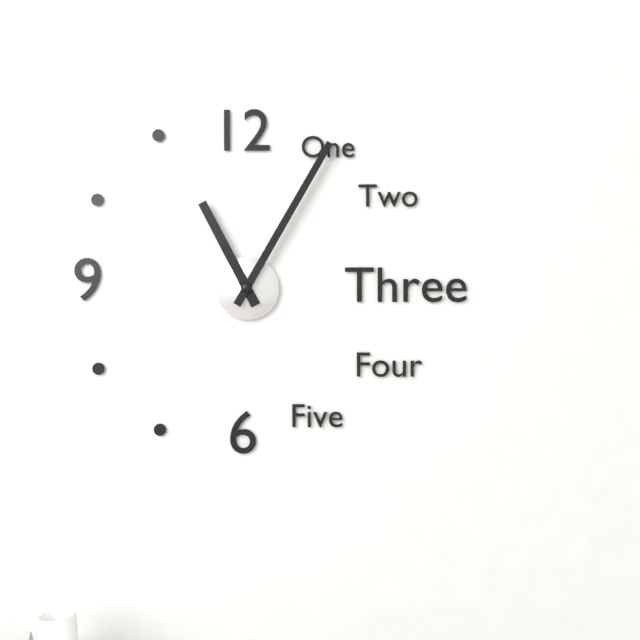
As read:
11.05
